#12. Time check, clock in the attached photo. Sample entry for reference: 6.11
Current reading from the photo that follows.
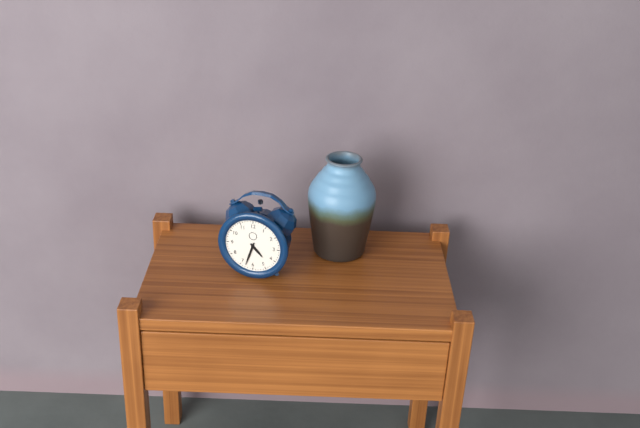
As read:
4.33
